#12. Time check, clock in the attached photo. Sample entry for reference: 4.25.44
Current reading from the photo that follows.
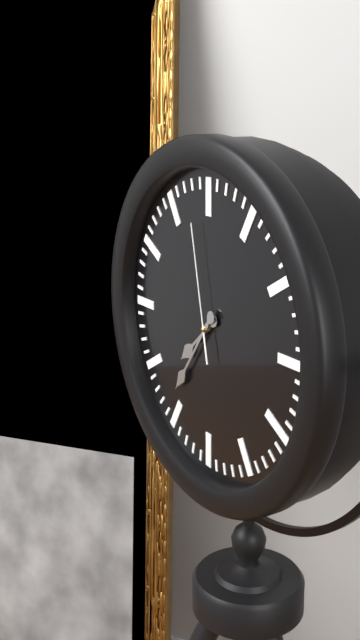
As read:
7.36.58
